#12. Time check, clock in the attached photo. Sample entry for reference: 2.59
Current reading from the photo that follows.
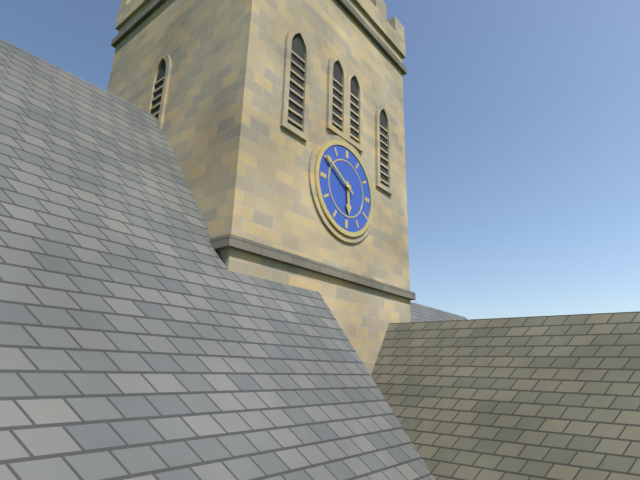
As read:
5.50
